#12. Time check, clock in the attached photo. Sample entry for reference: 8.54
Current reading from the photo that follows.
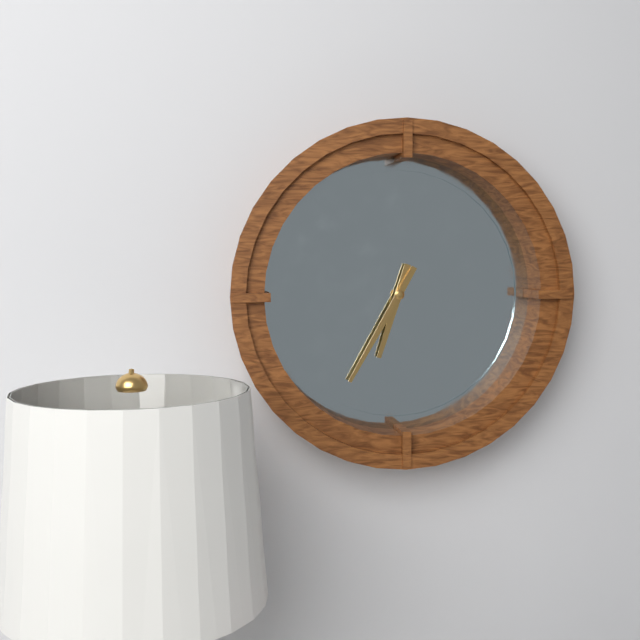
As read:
6.35
